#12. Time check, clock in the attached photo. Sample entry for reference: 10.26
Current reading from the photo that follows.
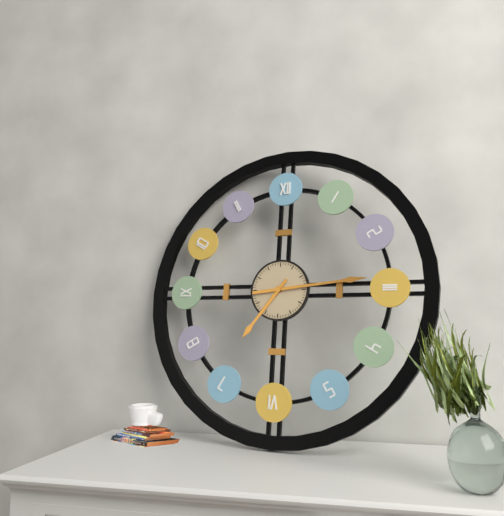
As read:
7.14
